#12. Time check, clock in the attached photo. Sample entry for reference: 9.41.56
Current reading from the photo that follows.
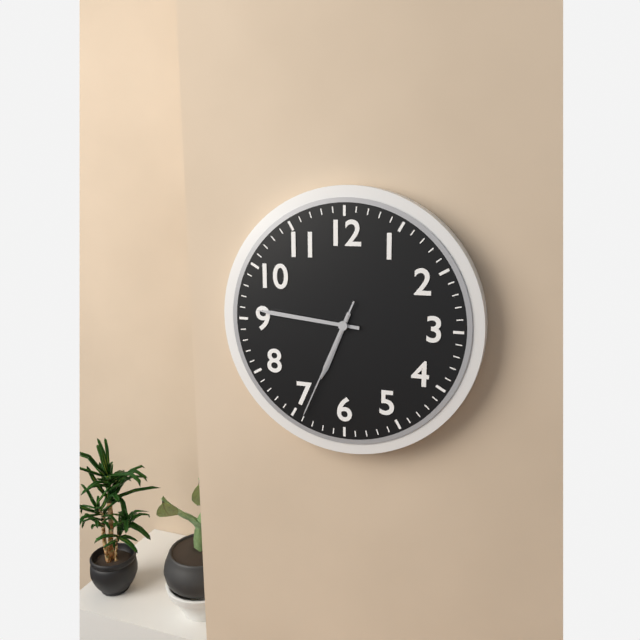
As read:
6.46.34
